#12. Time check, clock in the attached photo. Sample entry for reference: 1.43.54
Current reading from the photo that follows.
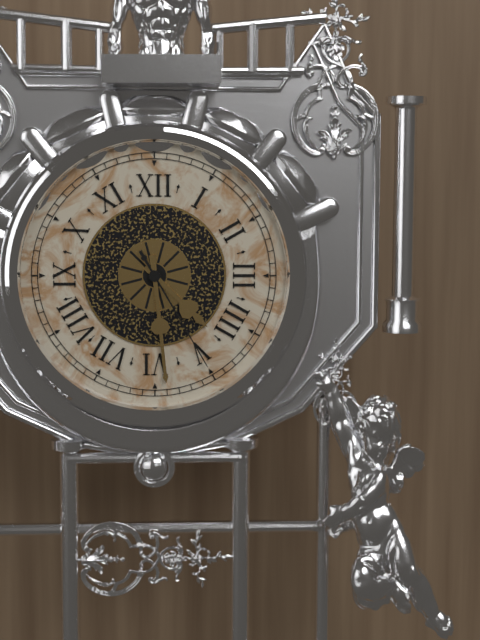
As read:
4.29.25
